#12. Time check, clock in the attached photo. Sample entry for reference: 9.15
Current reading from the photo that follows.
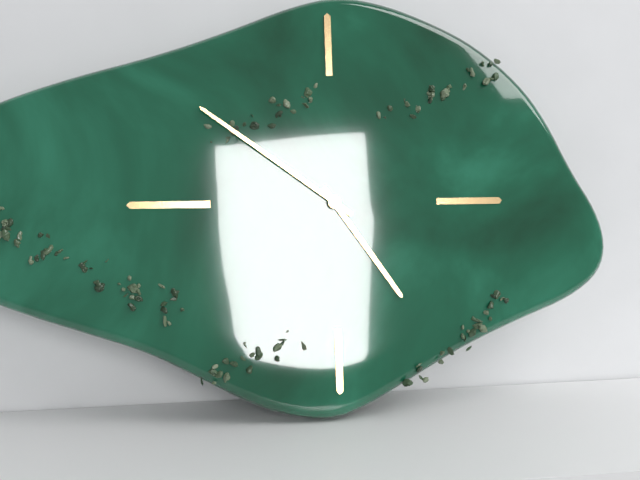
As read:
4.51
